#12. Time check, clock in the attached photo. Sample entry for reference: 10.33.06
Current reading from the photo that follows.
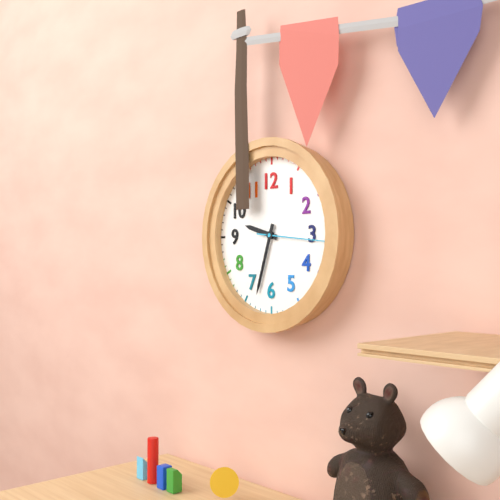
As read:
9.33.16
